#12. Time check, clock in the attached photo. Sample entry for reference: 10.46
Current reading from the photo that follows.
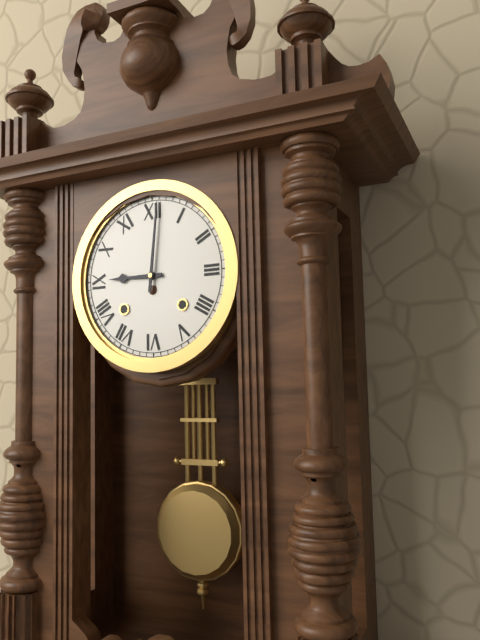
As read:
9.01
